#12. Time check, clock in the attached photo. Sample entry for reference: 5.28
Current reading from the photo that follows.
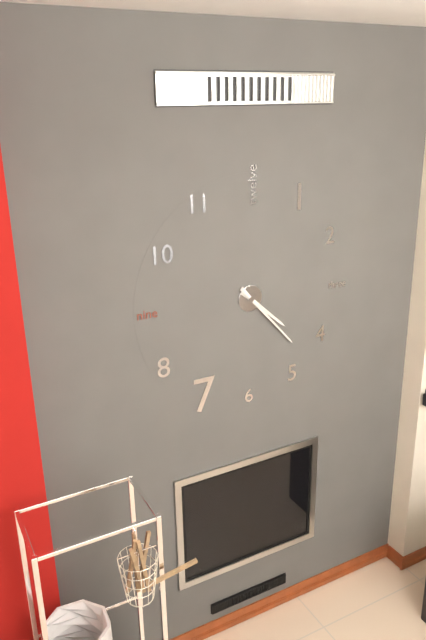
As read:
4.23
